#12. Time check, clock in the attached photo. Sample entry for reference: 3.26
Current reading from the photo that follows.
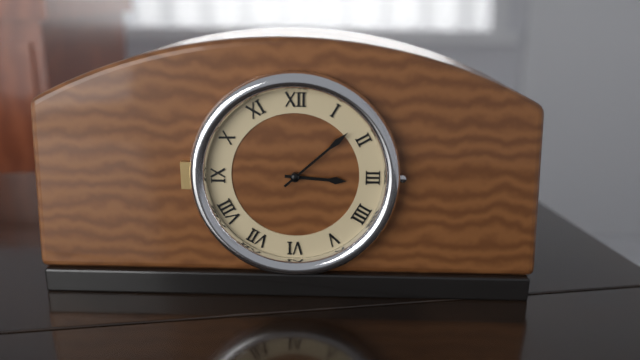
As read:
3.08
